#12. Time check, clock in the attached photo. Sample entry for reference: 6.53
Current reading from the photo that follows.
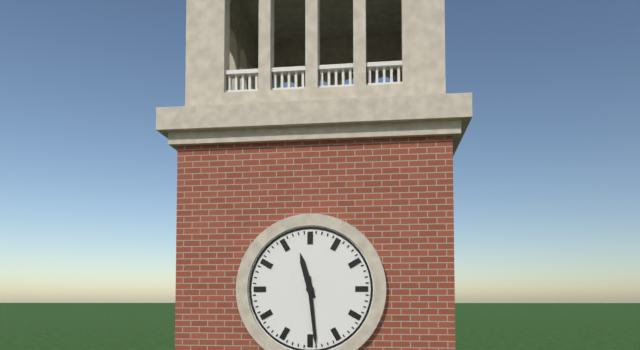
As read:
11.29
